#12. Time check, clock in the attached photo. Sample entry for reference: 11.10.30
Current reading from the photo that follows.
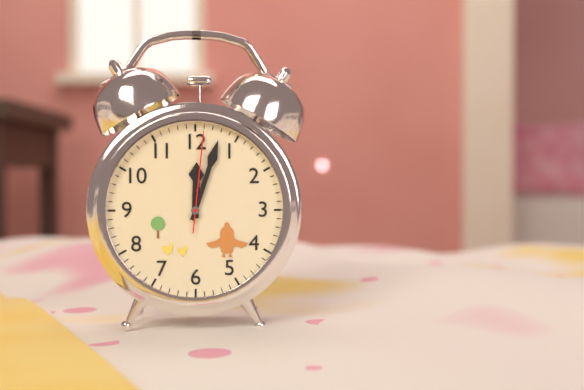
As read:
12.03.01
